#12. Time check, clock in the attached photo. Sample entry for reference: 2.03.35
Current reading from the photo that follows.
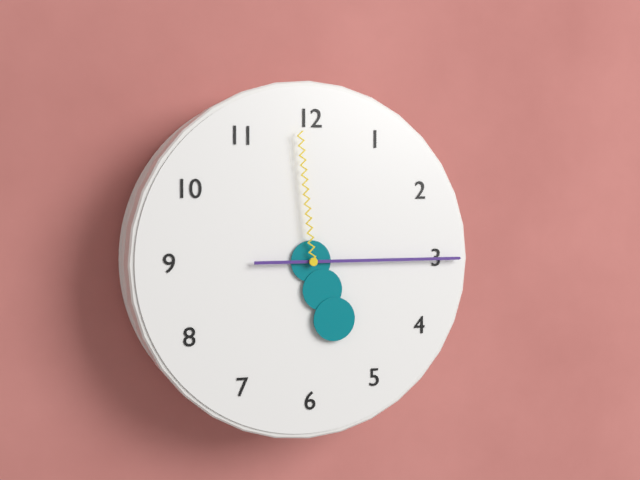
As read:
5.15.59
